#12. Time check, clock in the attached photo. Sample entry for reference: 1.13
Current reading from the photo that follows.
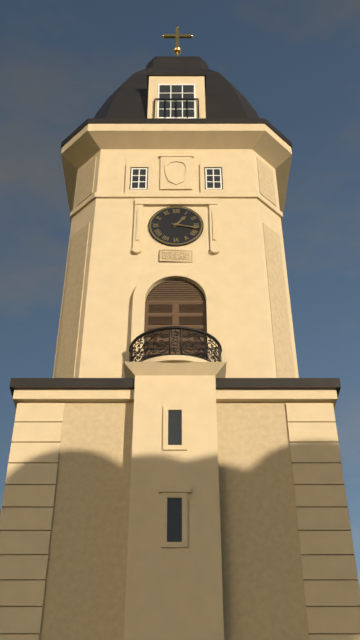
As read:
1.17
